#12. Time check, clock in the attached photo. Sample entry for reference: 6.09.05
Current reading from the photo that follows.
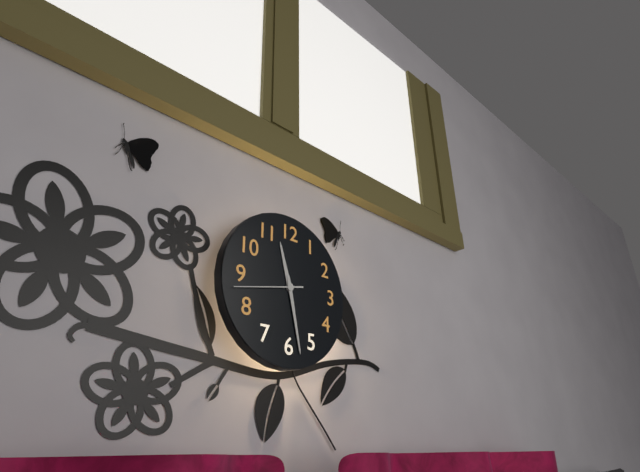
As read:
11.28.43
